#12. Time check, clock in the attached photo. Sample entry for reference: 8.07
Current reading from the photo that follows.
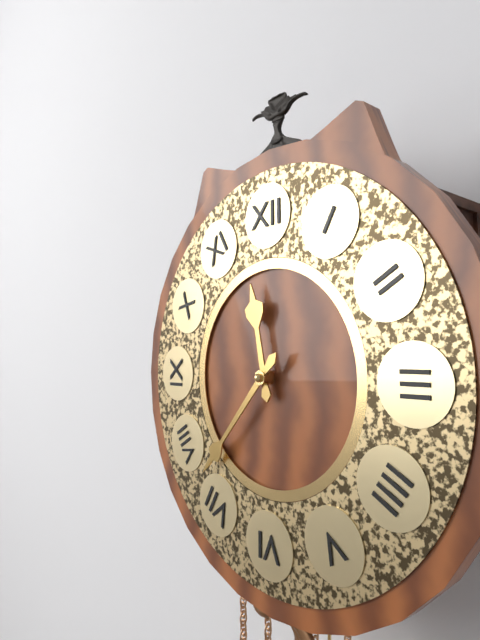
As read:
11.37
